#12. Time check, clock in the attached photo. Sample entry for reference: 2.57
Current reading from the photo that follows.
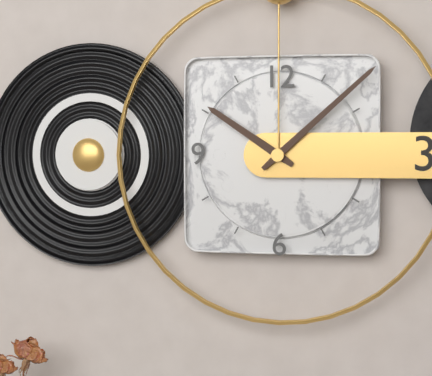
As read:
10.08
